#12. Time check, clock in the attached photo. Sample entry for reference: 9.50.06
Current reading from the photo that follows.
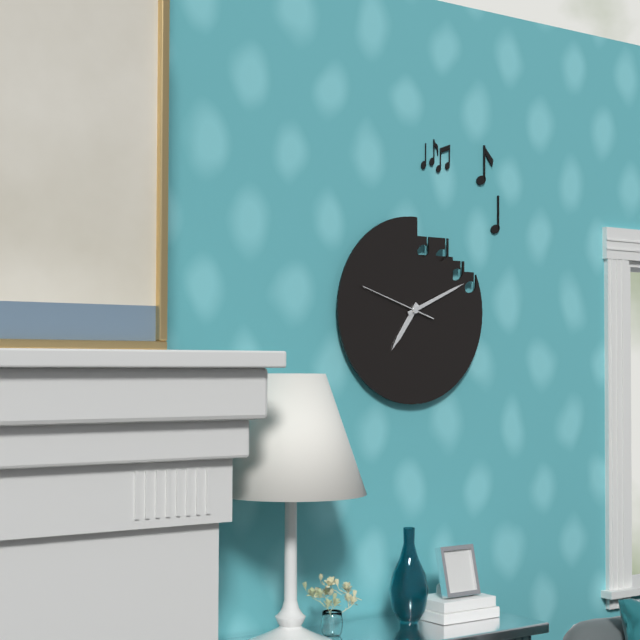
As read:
7.11.48
